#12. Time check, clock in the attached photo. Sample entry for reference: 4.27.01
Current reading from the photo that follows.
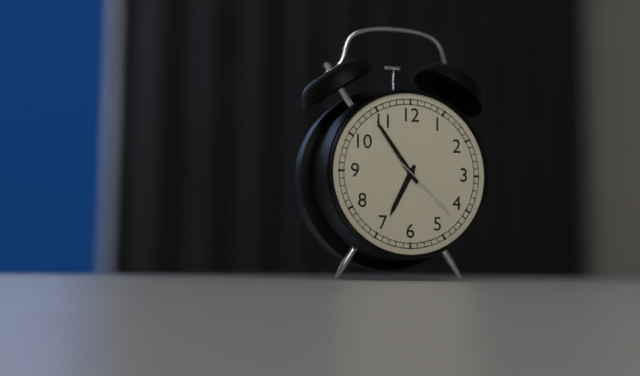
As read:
6.54.22
